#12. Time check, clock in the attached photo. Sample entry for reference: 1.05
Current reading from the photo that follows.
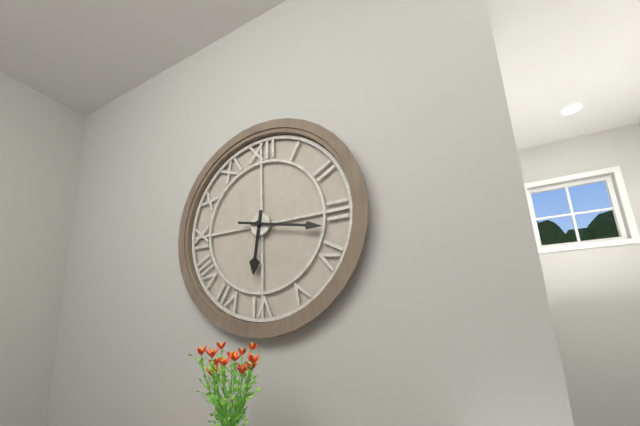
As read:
6.17
